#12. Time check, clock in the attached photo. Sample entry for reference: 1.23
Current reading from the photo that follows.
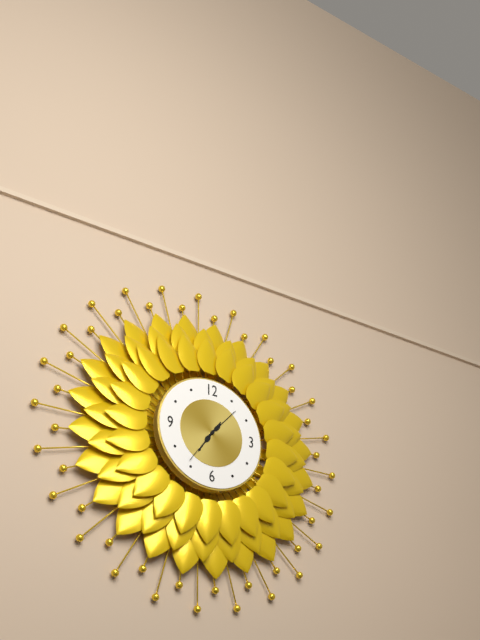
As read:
7.07
